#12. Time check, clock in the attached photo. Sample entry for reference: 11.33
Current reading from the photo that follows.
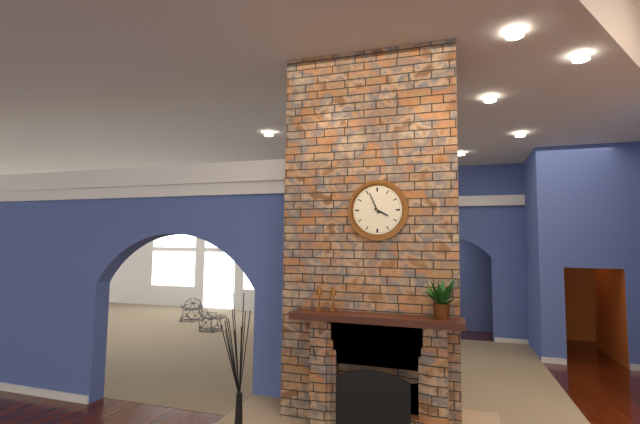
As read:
3.56
